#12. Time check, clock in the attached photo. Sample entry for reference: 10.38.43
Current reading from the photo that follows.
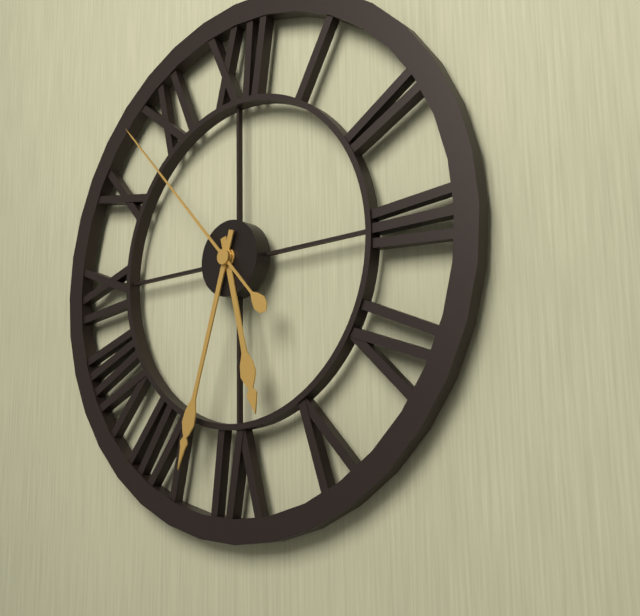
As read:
5.33.53
